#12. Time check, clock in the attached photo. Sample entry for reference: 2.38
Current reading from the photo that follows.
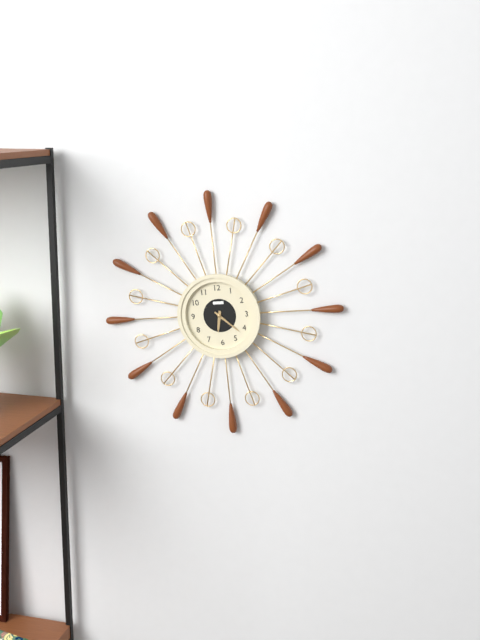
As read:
6.22
